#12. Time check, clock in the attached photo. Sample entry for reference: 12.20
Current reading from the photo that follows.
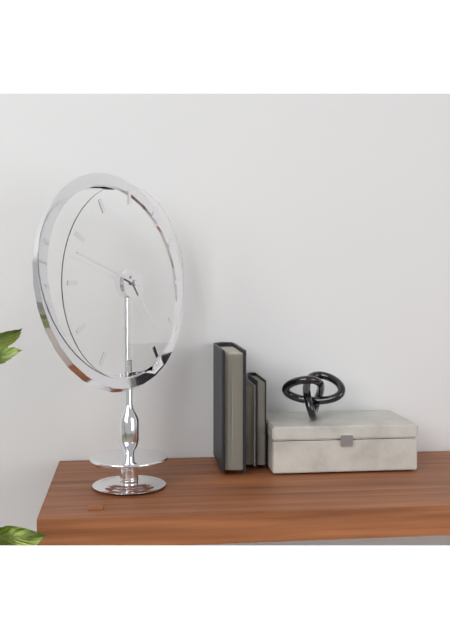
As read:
4.48
